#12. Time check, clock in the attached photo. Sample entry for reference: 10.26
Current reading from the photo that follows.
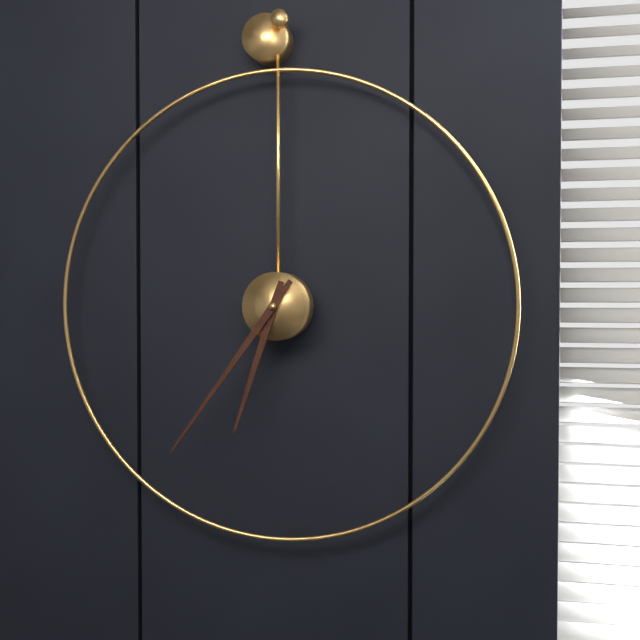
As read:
6.36
